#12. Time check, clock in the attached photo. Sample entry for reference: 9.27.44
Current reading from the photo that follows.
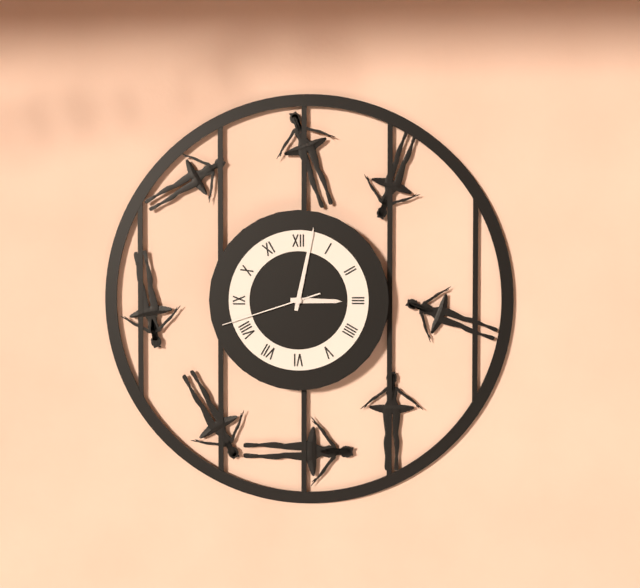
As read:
3.02.42
